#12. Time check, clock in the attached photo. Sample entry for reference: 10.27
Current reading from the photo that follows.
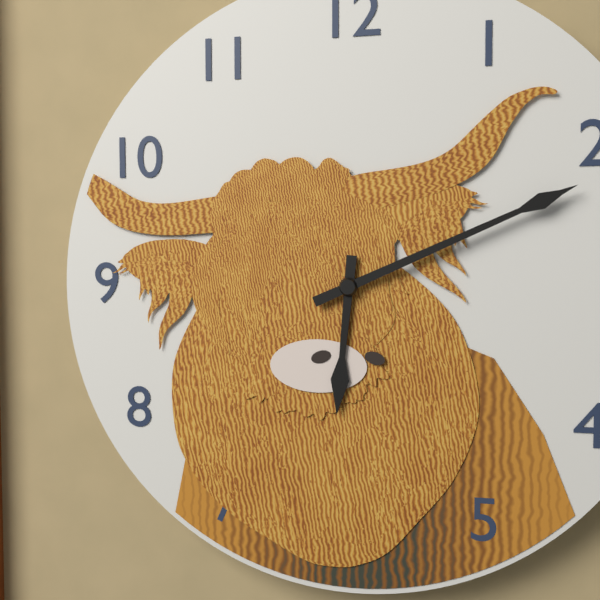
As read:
6.11
